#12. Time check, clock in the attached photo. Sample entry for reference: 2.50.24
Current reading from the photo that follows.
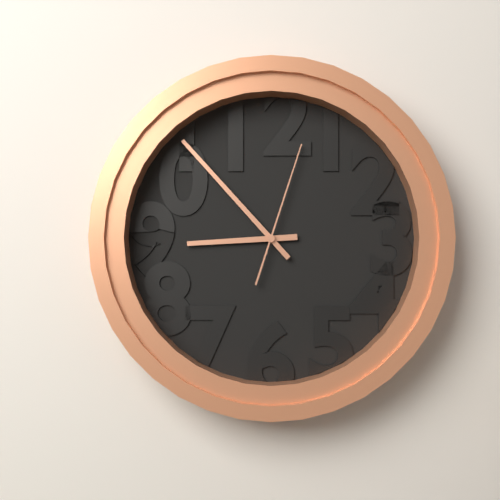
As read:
8.53.03
